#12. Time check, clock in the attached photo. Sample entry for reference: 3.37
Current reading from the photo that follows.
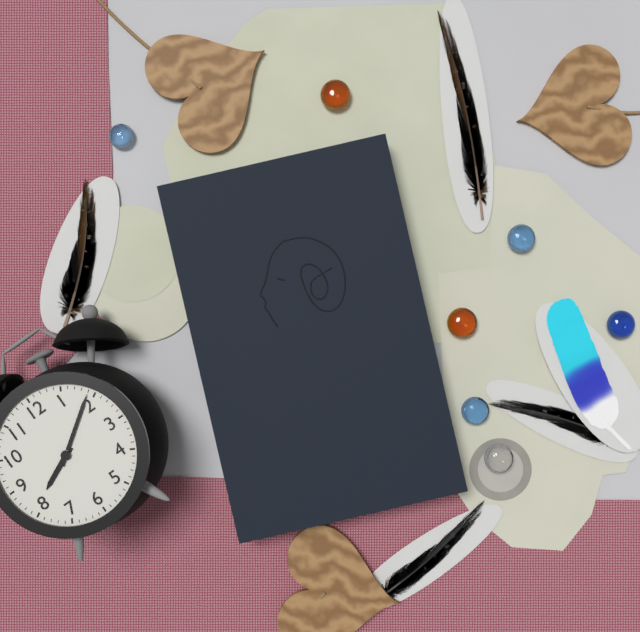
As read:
8.09
